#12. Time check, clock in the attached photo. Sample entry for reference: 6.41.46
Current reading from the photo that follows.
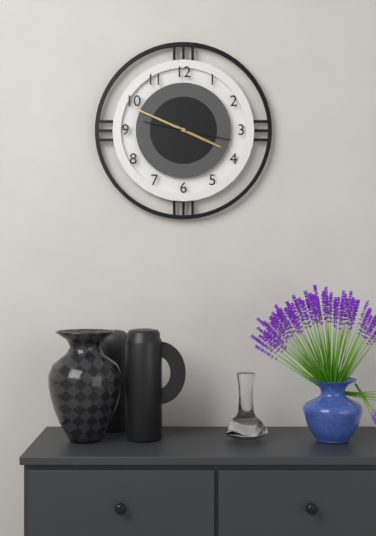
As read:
3.49.17
